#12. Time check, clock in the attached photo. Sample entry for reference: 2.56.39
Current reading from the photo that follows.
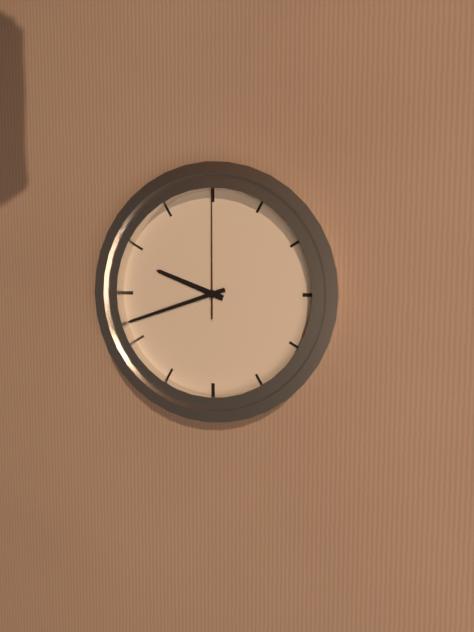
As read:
9.42.00
